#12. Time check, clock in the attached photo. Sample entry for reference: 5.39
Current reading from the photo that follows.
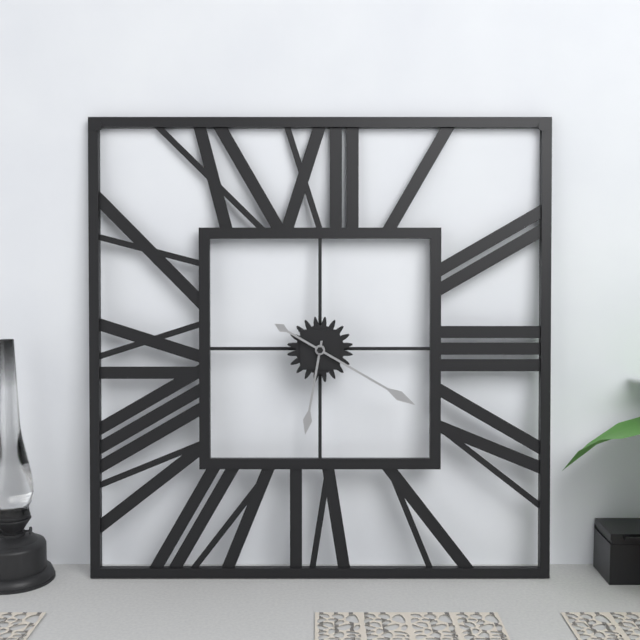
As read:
6.20
